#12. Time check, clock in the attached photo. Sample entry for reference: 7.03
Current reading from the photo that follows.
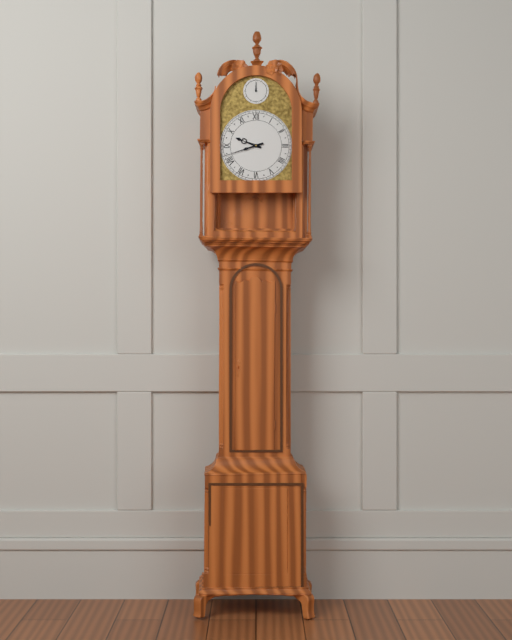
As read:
9.42
